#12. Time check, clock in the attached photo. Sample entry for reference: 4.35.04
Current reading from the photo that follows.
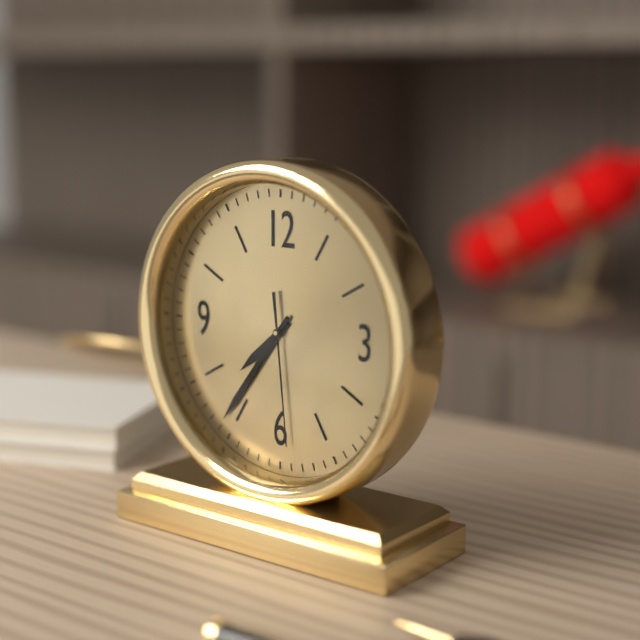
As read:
7.36.29
